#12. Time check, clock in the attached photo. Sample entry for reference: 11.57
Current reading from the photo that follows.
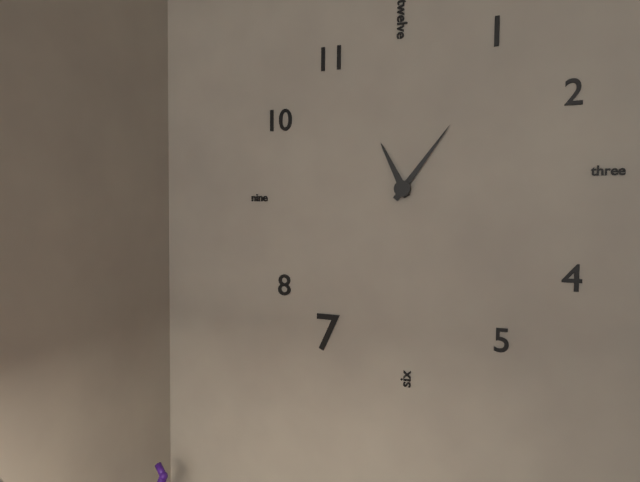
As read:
11.06
